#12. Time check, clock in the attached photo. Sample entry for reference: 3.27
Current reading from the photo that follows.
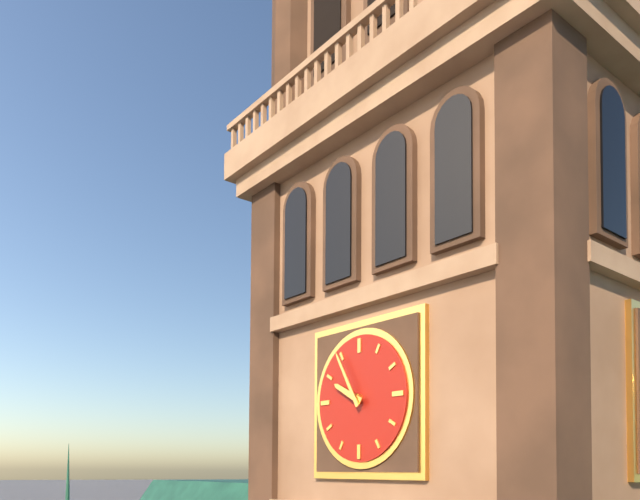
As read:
9.55
